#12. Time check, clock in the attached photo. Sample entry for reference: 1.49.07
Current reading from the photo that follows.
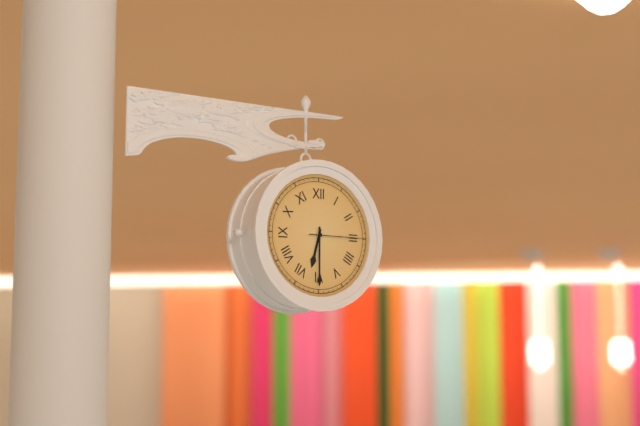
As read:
6.30.15
